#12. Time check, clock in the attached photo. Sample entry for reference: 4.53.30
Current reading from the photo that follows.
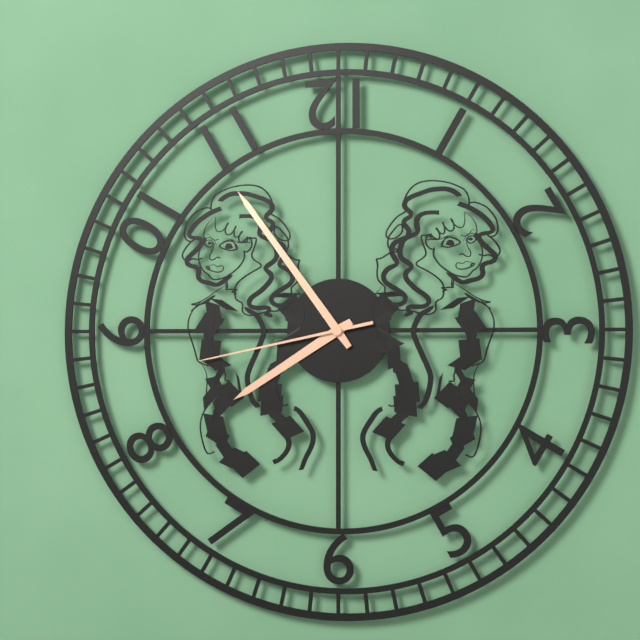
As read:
7.54.43
